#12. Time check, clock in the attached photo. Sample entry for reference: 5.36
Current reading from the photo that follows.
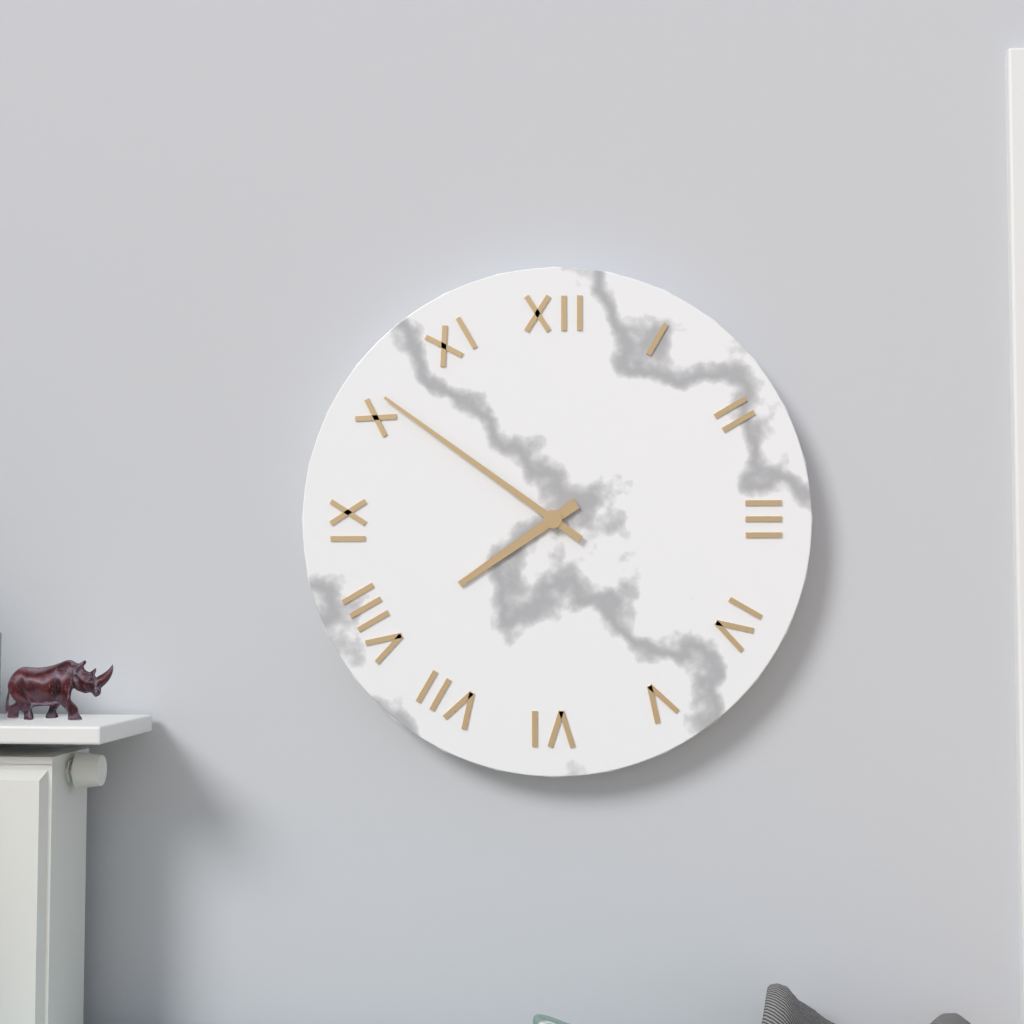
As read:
7.51
